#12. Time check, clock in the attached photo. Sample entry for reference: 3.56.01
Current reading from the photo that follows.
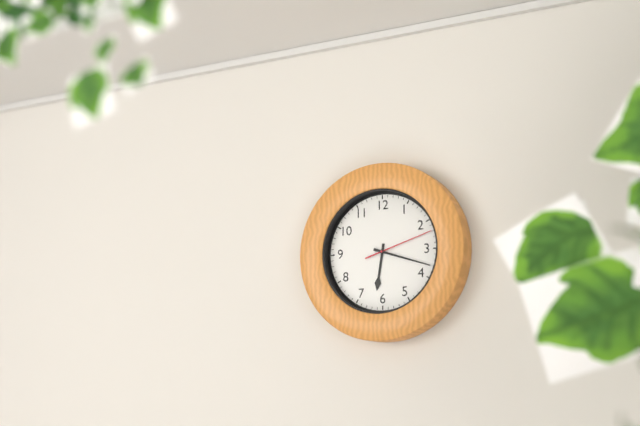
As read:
6.18.12
